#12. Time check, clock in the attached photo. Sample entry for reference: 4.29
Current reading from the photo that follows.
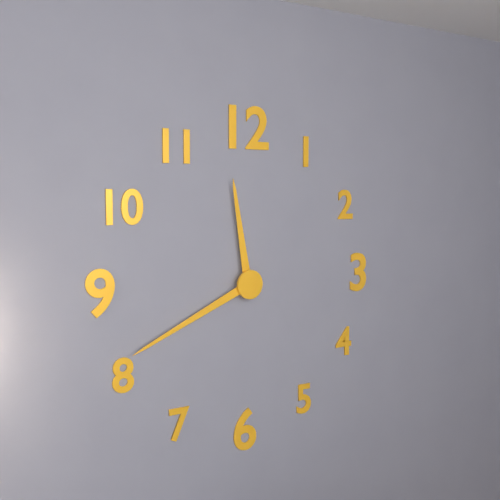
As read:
11.41
